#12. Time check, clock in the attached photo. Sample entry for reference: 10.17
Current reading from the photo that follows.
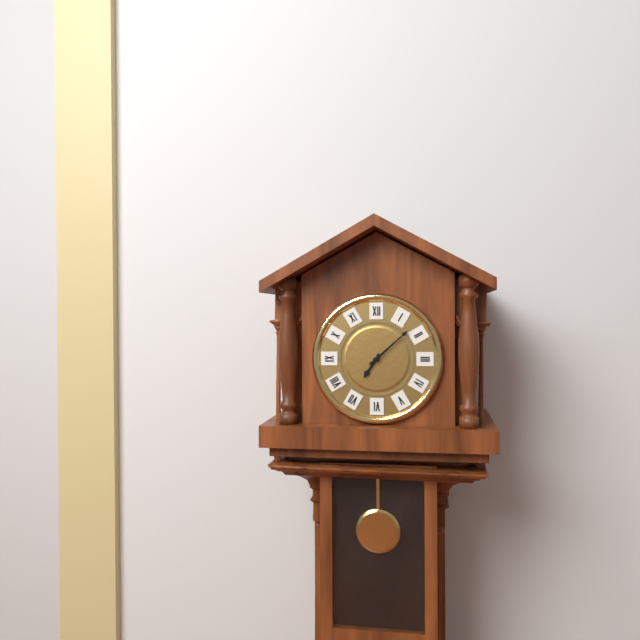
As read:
7.08
